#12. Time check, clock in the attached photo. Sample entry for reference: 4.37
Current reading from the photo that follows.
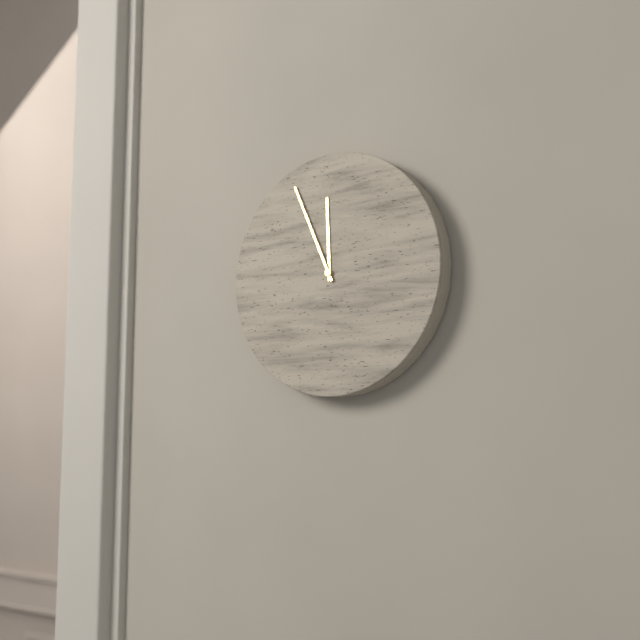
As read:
11.56
